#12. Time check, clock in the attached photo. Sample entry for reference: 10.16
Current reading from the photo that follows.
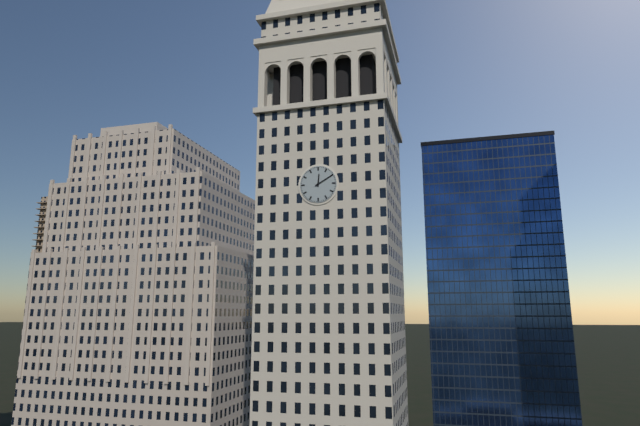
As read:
12.10
